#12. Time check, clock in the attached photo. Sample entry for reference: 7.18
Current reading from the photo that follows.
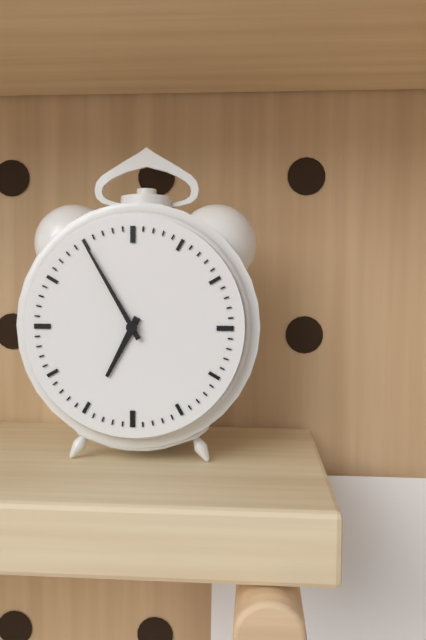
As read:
6.55
